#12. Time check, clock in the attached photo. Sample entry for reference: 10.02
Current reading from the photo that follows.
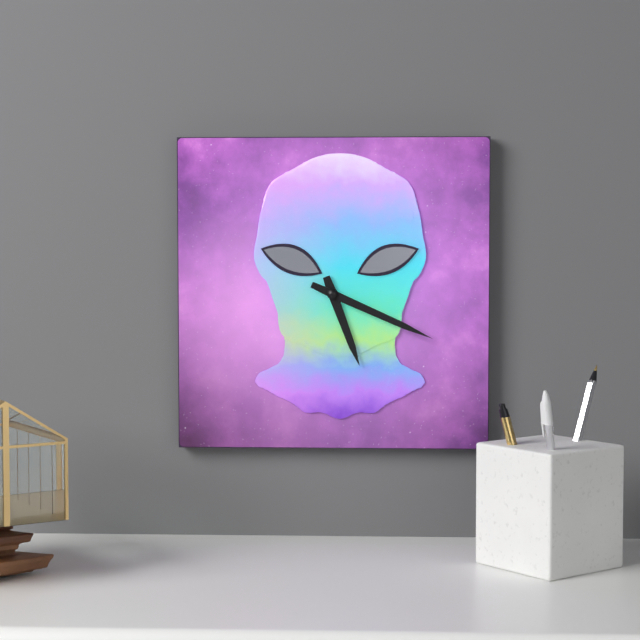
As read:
5.19
